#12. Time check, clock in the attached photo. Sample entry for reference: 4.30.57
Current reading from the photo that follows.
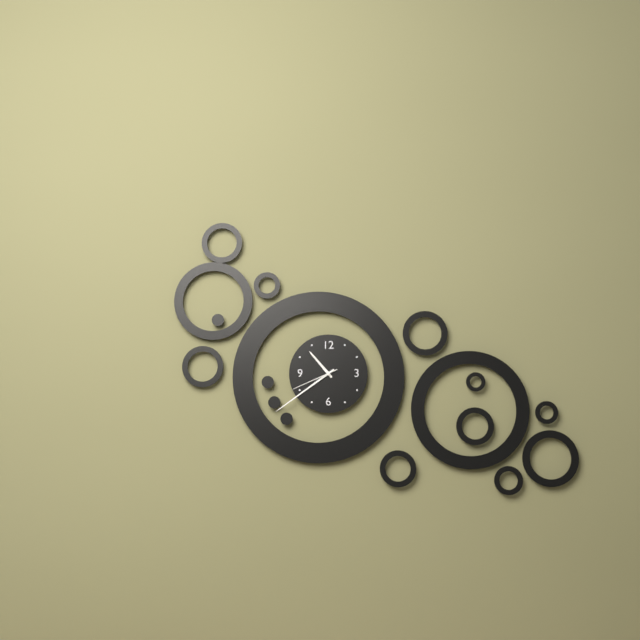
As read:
10.39.41
